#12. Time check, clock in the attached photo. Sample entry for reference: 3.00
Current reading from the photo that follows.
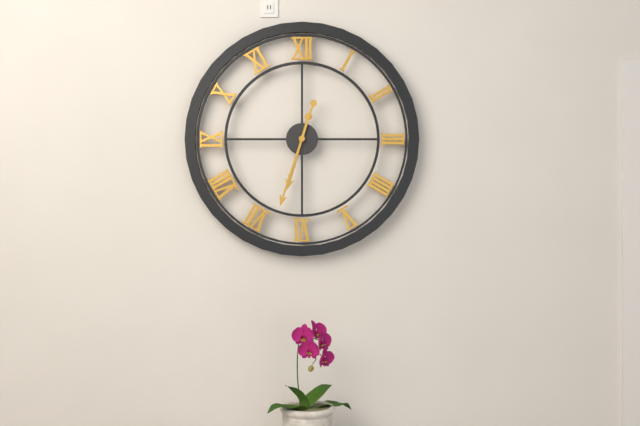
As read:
6.33
